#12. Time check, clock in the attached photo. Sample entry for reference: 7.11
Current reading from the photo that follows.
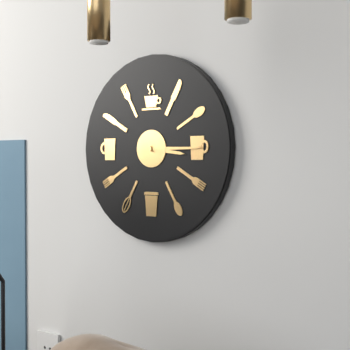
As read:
3.15
